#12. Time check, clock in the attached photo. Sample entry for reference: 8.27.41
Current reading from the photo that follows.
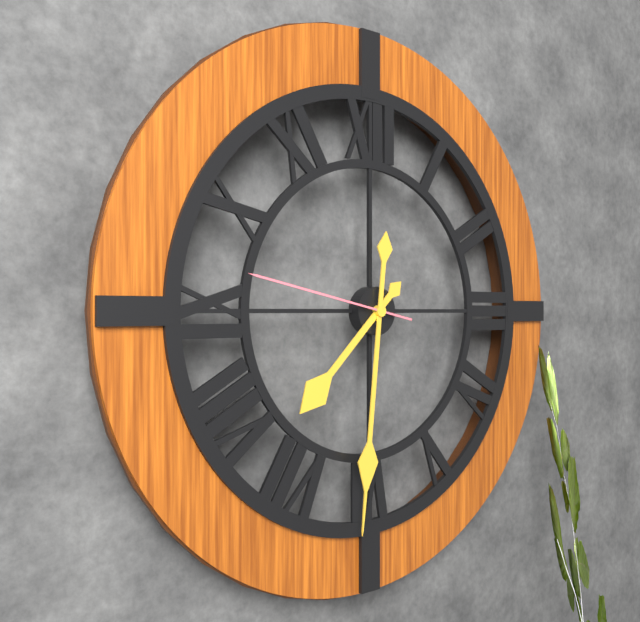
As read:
7.31.47
